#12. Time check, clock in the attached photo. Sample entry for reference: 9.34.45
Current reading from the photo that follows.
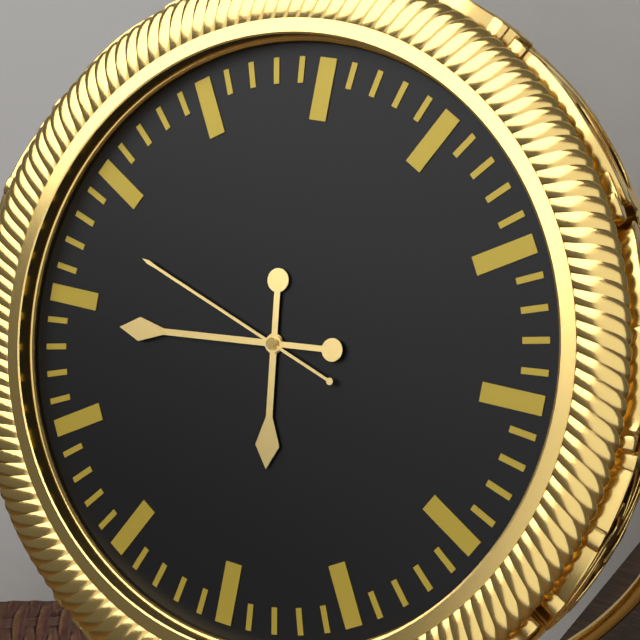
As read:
5.44.48
